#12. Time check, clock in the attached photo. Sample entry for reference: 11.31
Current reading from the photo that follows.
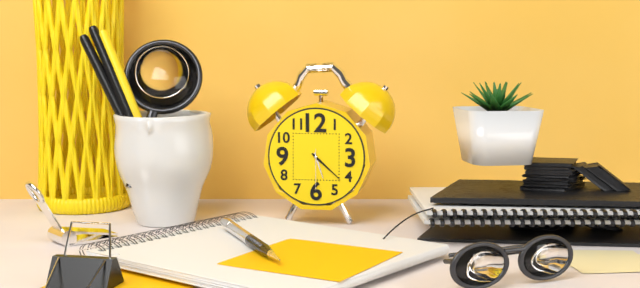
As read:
5.22
